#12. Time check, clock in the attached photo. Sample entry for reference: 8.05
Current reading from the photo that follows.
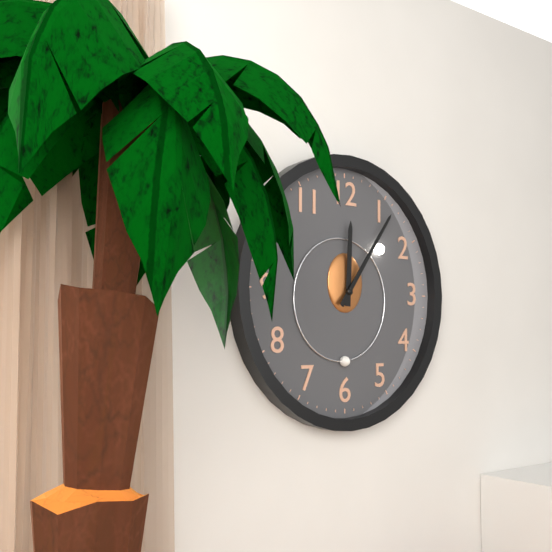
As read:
12.06
